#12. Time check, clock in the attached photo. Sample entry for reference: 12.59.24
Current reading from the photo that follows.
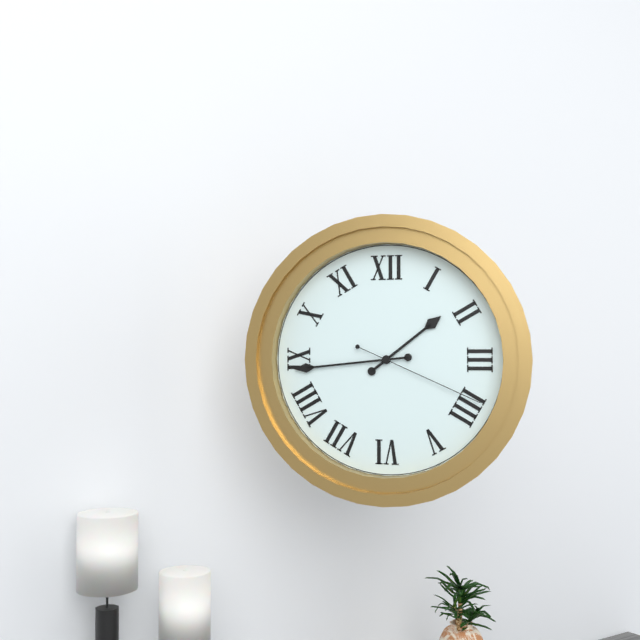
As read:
1.44.19
